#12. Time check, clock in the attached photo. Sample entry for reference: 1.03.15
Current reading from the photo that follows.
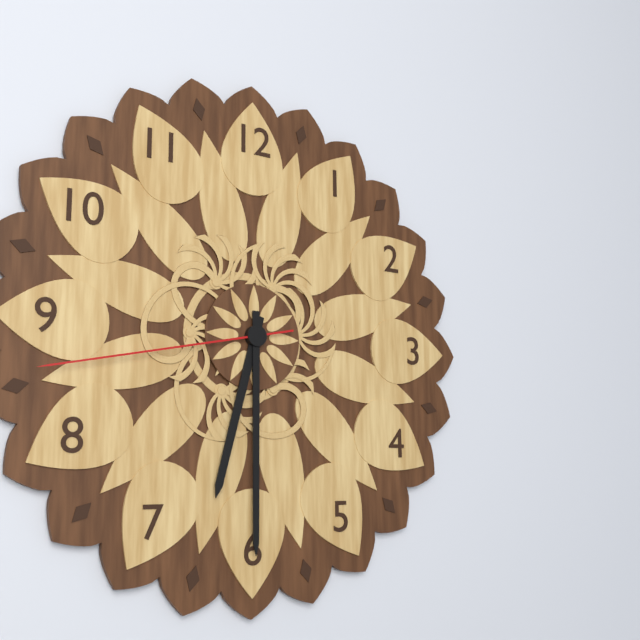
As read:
6.30.43
